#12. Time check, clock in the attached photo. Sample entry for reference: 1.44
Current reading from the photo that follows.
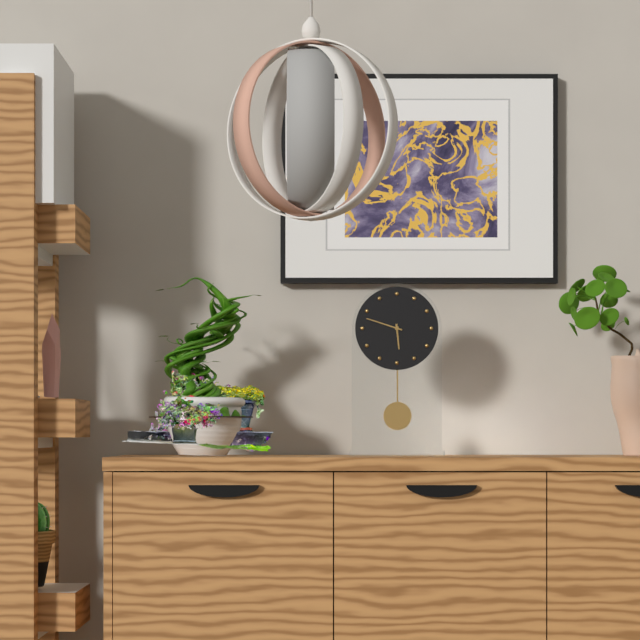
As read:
5.48
